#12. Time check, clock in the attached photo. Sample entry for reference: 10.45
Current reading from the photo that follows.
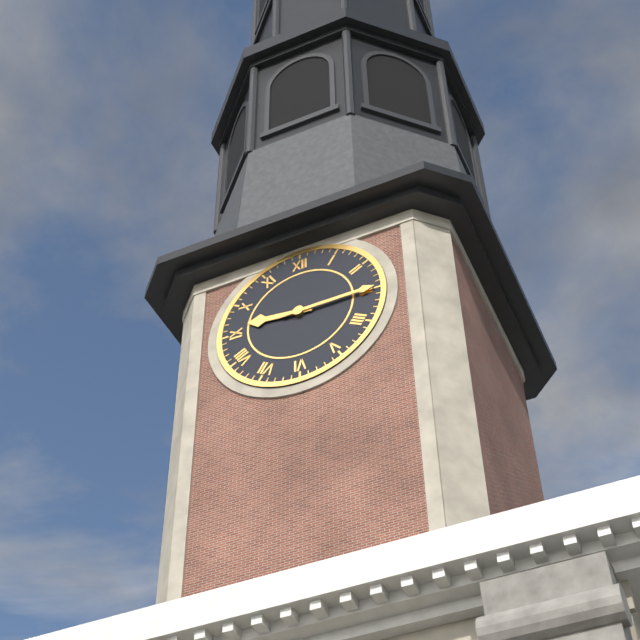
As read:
9.15
